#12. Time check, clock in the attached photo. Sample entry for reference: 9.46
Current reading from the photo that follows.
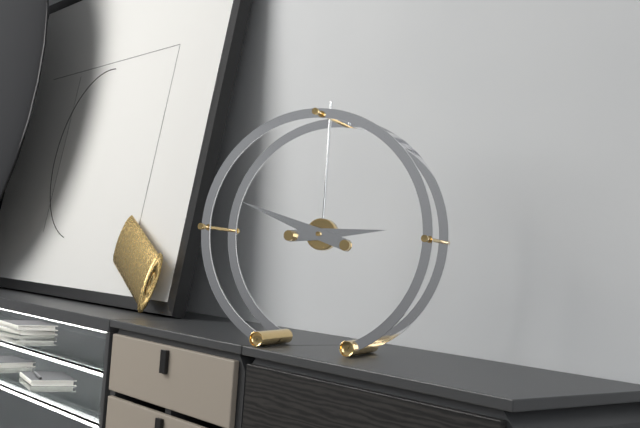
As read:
2.48
